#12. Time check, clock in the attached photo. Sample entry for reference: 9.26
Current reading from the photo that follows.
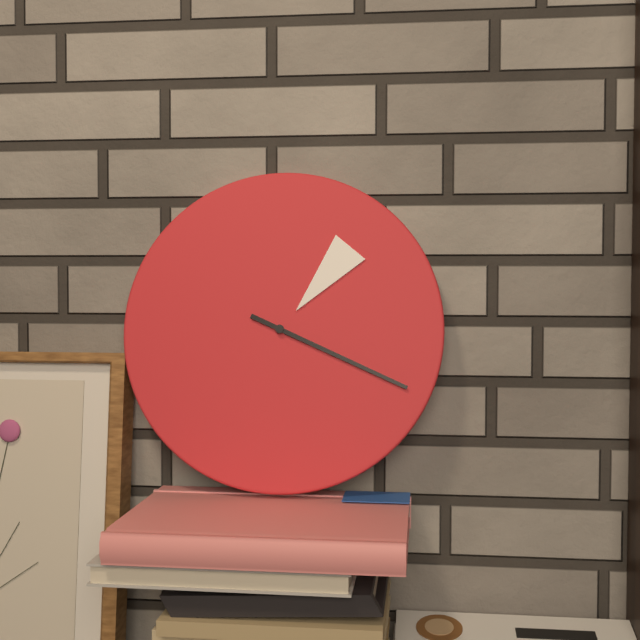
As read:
1.19
